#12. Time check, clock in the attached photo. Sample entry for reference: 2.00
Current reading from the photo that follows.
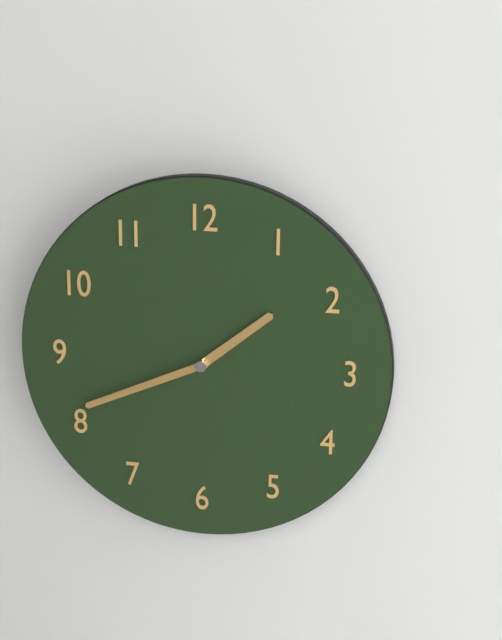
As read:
1.41
